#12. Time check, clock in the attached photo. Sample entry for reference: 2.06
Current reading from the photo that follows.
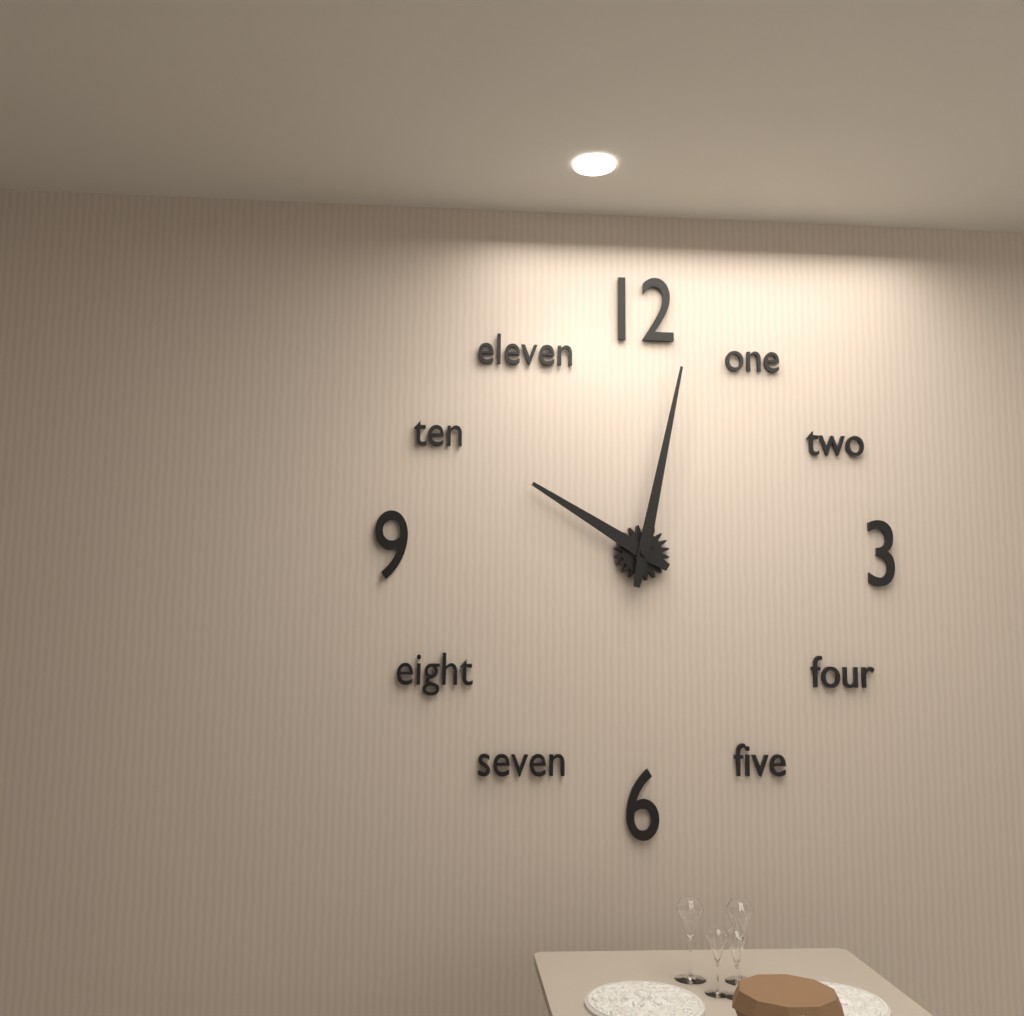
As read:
10.02
